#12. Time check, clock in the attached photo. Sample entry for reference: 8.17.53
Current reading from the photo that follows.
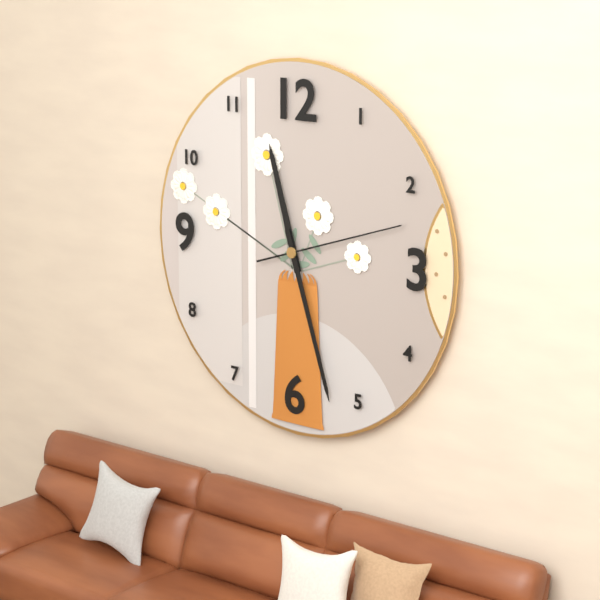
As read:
11.27.12
